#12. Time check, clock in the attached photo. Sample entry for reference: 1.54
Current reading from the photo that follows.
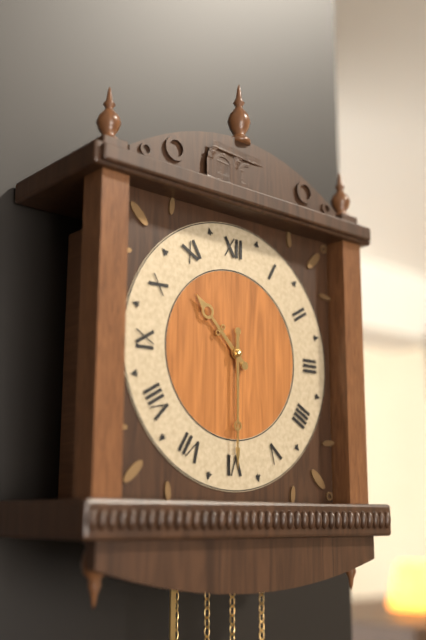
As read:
10.30
